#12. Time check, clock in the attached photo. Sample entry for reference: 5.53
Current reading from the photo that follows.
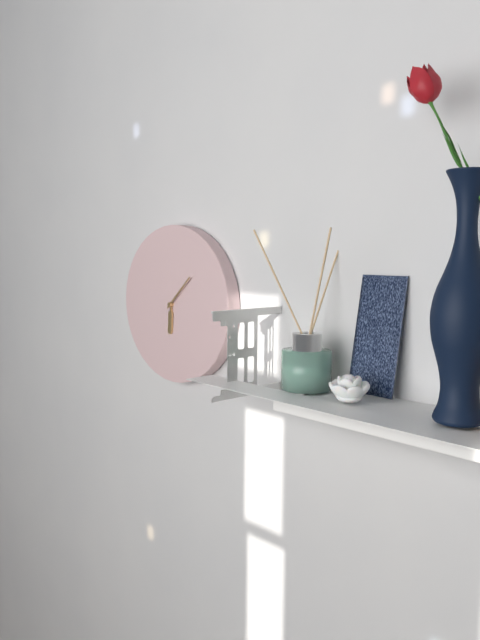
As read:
6.08
